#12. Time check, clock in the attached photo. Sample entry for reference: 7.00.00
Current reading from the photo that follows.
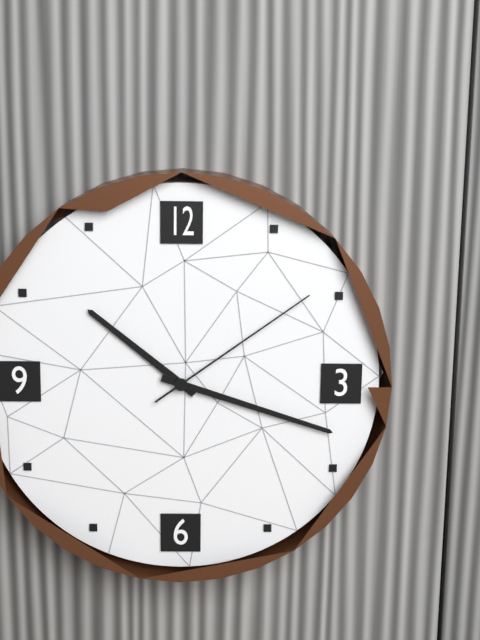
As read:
10.18.09
